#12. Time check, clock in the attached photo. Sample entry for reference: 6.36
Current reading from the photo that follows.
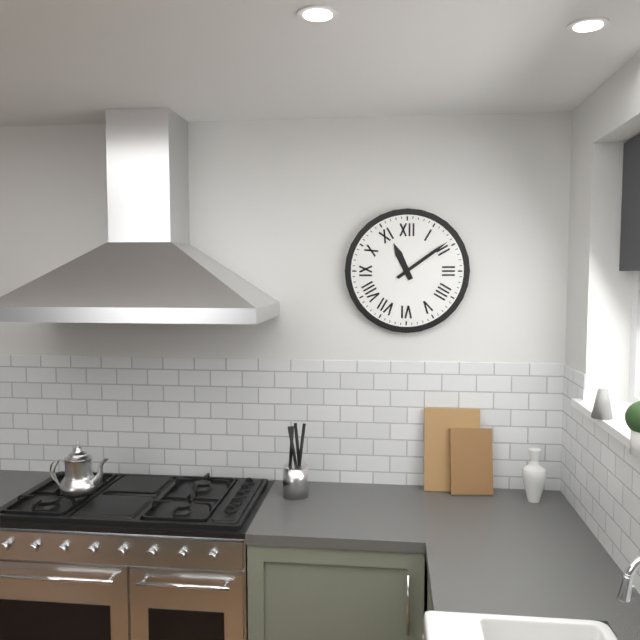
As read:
11.09
